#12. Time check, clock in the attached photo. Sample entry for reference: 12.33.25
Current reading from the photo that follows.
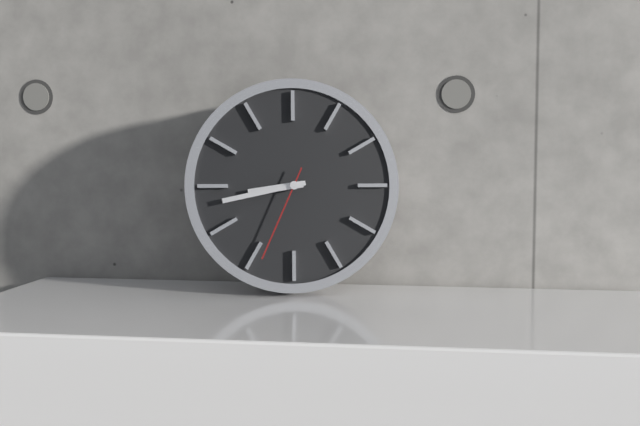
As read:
8.43.34
